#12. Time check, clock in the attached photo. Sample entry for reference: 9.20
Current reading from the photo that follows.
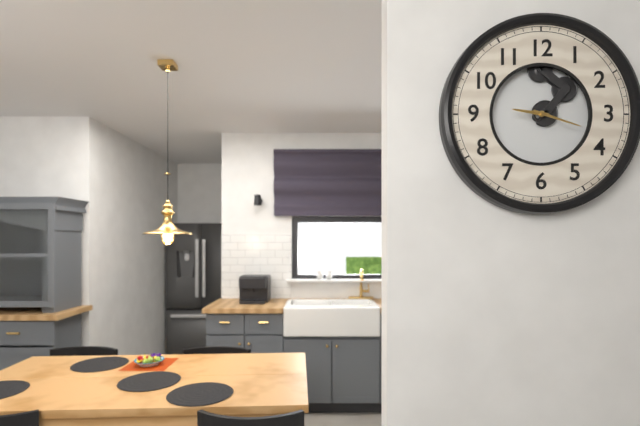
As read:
9.18
